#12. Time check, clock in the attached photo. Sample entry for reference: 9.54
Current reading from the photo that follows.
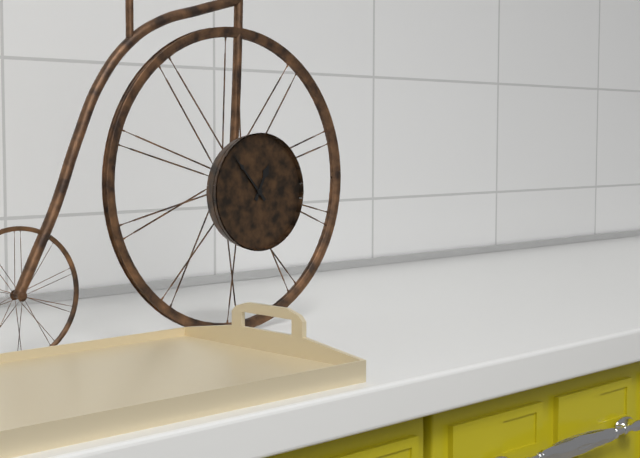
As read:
12.53
